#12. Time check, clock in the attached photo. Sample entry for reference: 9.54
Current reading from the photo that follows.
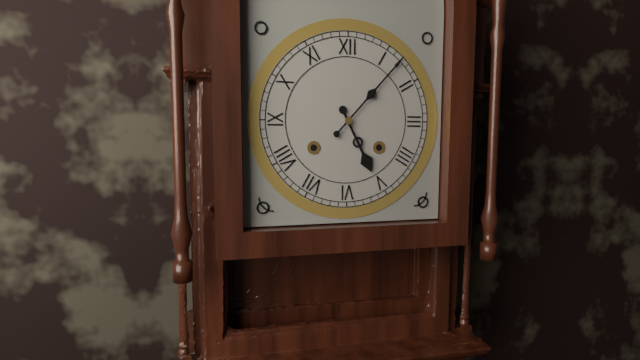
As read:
5.07
